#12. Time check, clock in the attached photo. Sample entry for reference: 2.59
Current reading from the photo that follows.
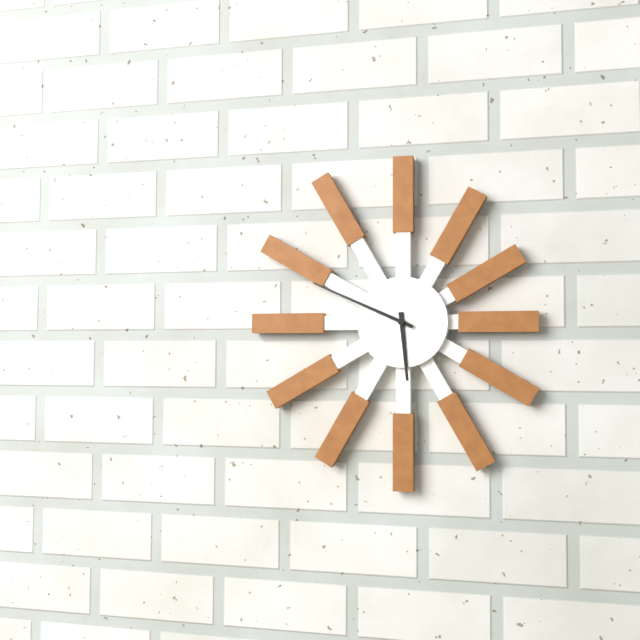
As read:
5.49
